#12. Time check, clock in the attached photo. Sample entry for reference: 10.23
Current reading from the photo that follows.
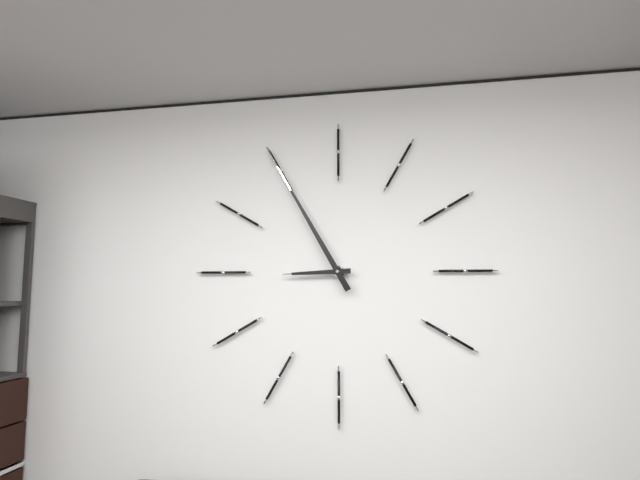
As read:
8.55
